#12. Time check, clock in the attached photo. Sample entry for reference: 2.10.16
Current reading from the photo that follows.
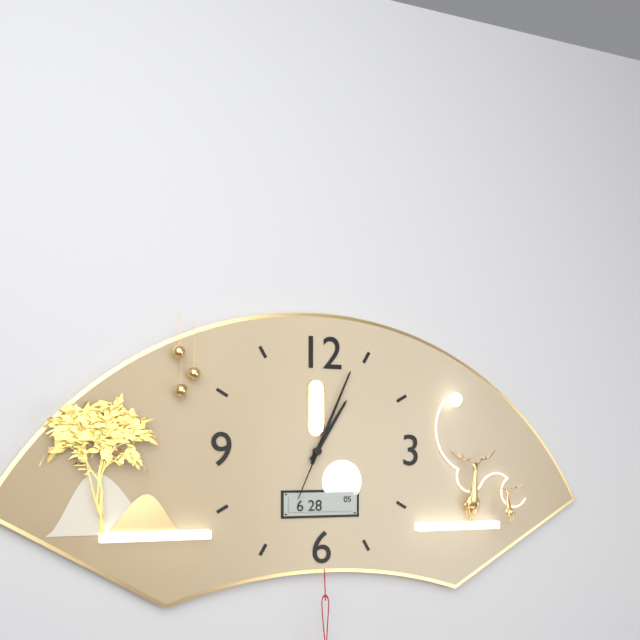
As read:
1.04.34
